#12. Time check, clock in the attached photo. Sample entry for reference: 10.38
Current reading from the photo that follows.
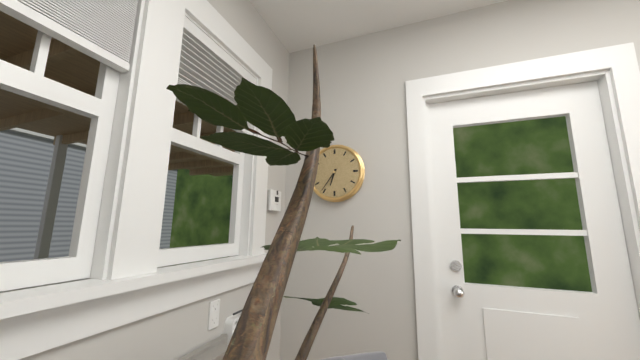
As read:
6.36
